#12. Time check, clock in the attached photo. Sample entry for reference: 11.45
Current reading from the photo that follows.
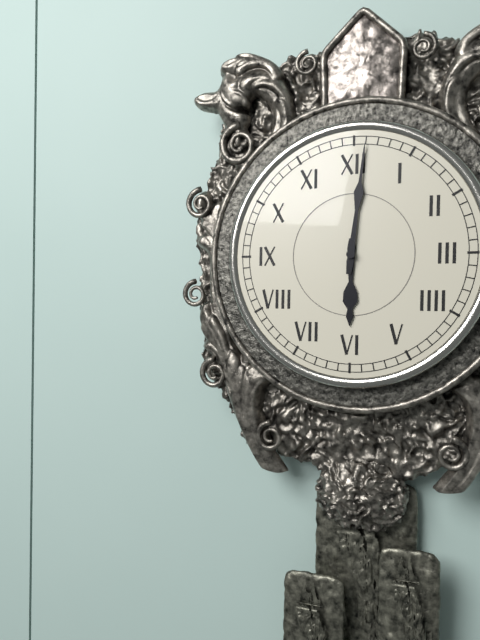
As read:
6.01
